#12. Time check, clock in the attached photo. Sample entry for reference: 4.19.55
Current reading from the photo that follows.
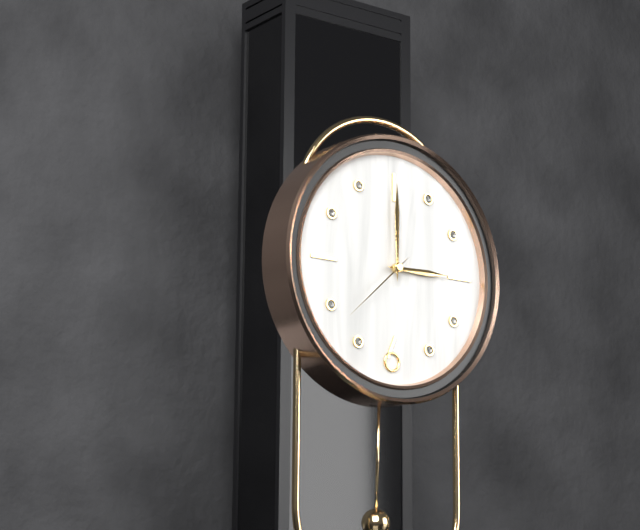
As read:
3.00.38
